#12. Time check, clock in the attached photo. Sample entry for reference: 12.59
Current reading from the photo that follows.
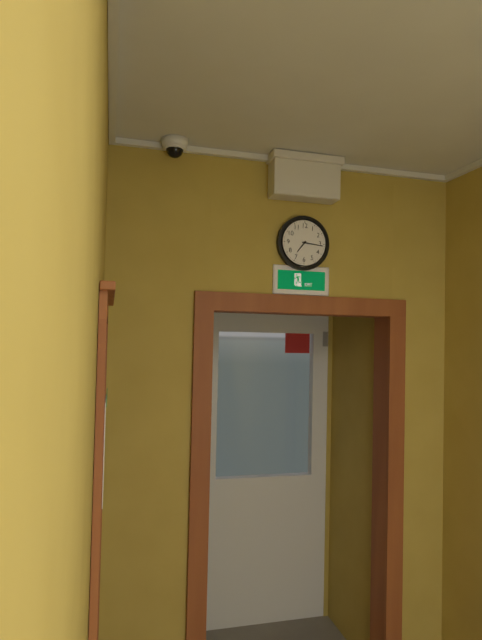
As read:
7.16
